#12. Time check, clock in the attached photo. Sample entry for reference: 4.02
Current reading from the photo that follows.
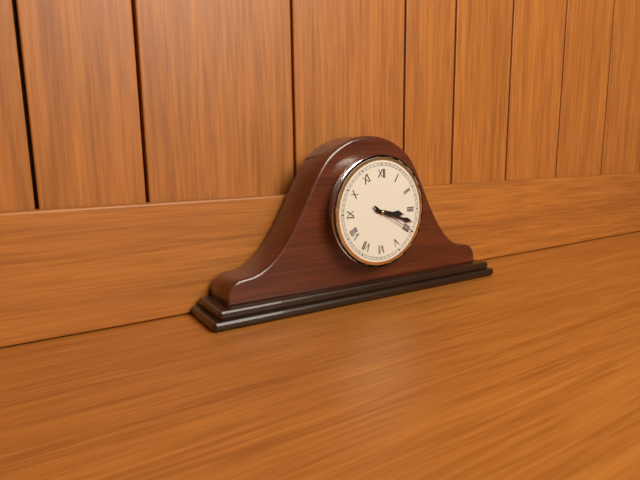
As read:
3.18
